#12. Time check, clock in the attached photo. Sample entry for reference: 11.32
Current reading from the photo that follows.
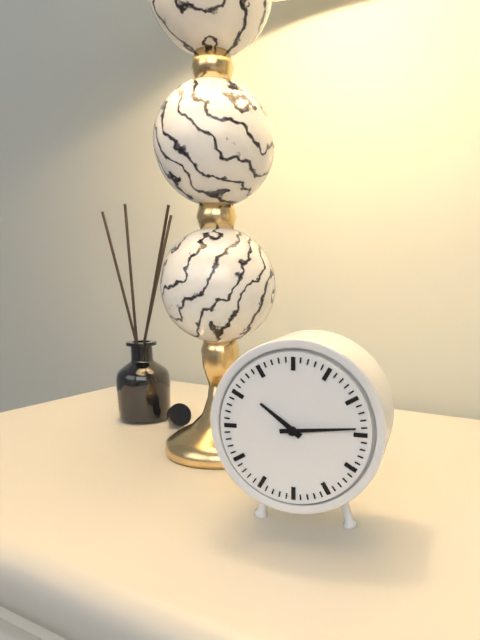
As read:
10.14
